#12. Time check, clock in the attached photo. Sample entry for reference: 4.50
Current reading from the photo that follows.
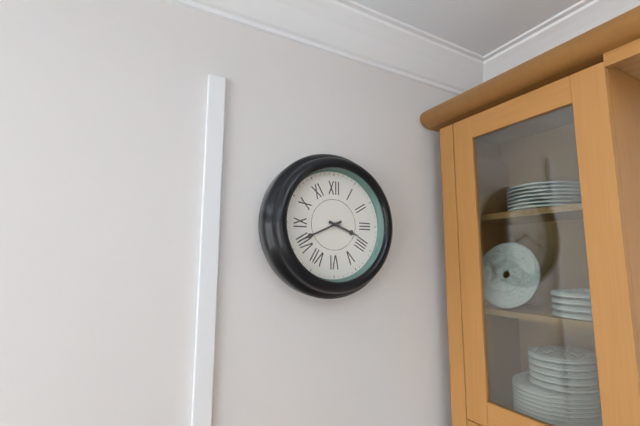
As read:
3.41
